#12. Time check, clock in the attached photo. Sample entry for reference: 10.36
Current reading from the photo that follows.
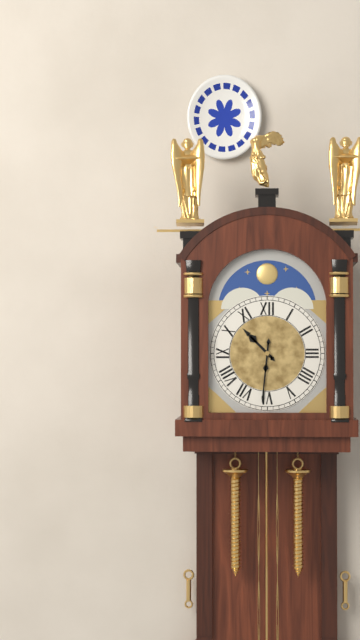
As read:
10.31
